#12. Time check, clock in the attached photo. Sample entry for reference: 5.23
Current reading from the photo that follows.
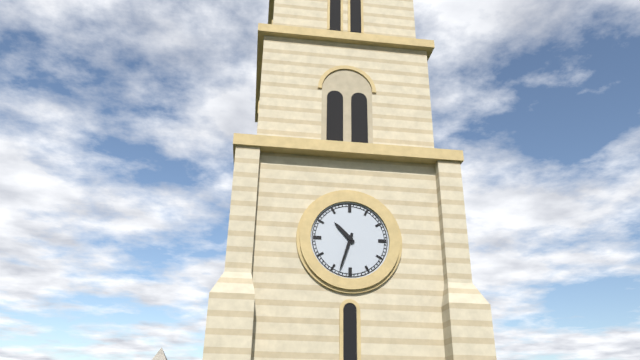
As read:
10.33
